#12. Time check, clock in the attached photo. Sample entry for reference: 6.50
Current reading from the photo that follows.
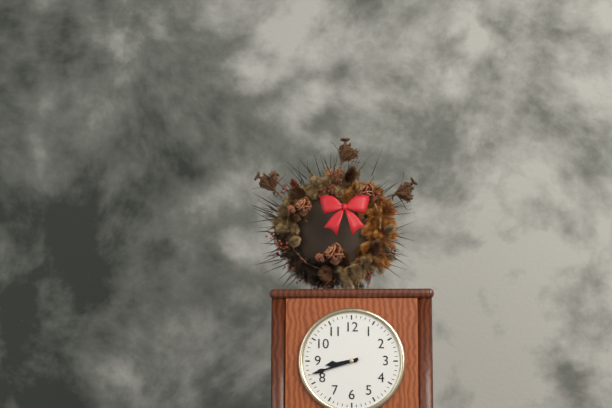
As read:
8.42
